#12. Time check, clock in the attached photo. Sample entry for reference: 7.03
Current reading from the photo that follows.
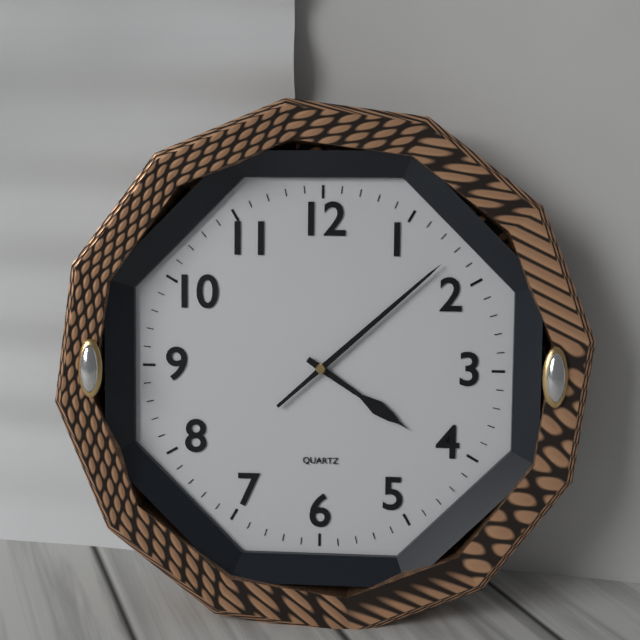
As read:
4.08
